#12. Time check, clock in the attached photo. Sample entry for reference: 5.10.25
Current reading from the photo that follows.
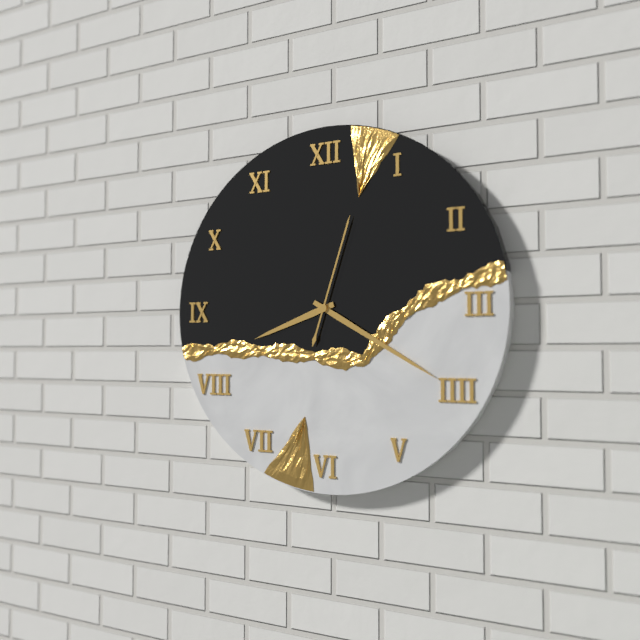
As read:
8.20.03
